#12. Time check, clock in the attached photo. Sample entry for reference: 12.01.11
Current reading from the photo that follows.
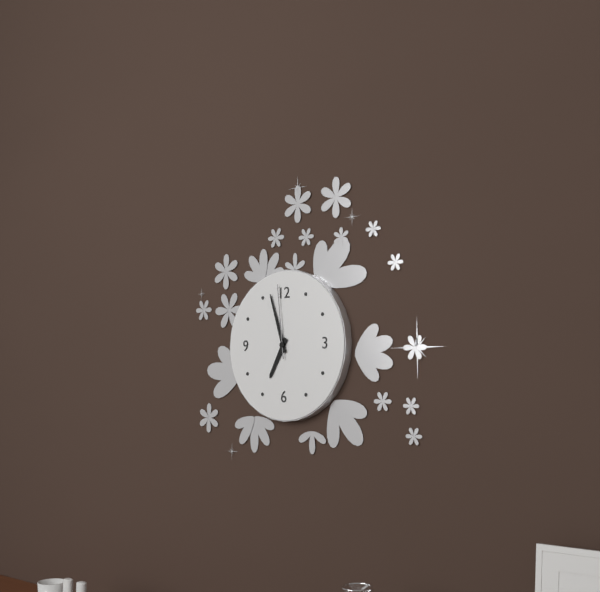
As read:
6.57.59
